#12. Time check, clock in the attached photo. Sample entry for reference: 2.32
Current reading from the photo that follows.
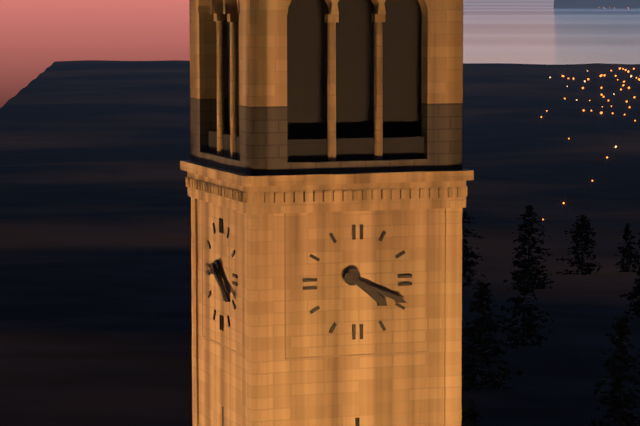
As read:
4.19
